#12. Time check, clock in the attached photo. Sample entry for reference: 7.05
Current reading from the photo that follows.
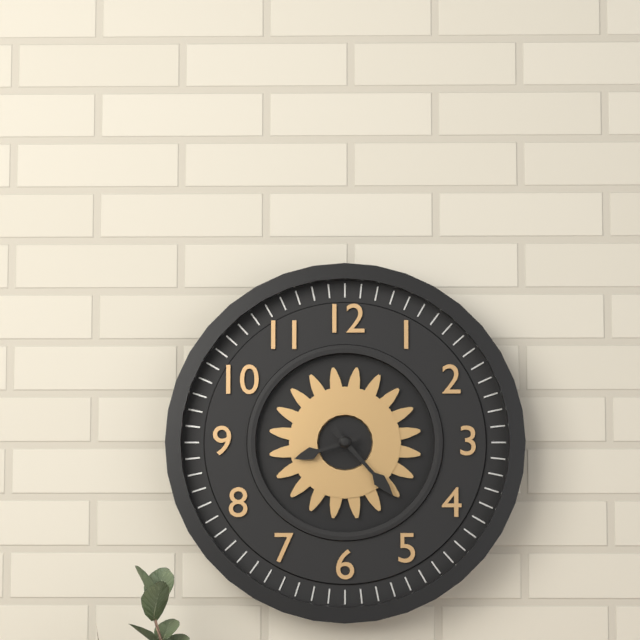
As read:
8.23
